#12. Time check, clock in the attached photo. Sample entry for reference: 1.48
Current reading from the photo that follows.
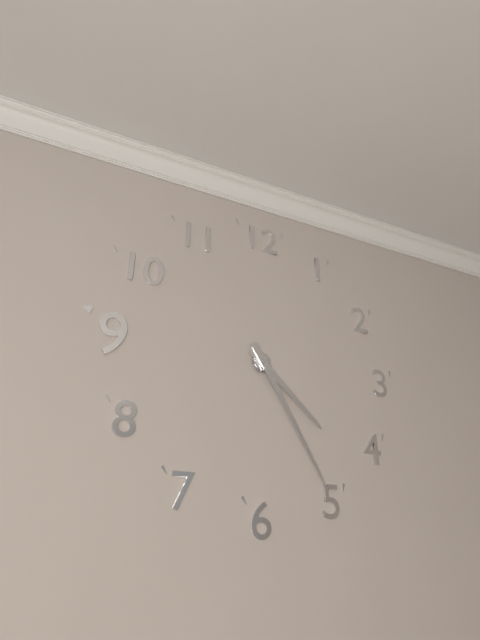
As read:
4.25
